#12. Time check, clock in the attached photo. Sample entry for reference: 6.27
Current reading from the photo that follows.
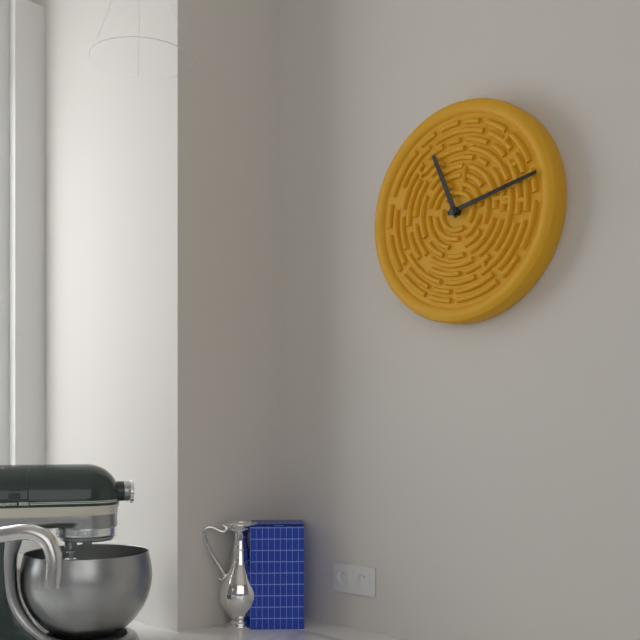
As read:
11.13
